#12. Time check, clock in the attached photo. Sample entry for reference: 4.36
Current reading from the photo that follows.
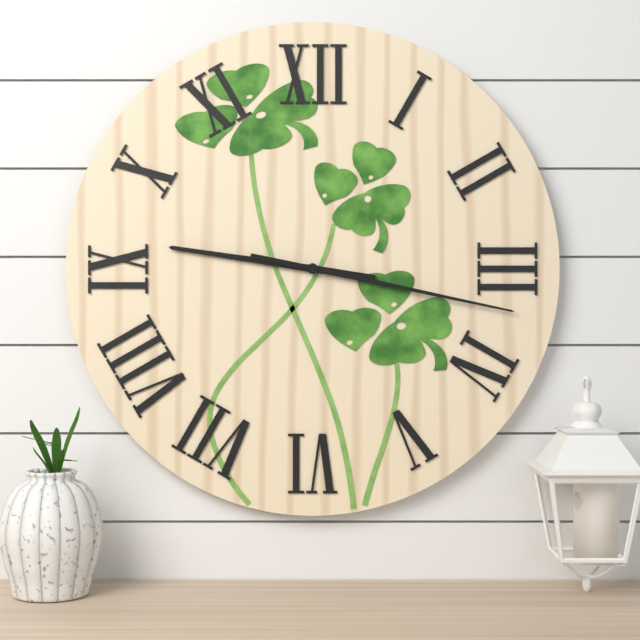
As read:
9.17
